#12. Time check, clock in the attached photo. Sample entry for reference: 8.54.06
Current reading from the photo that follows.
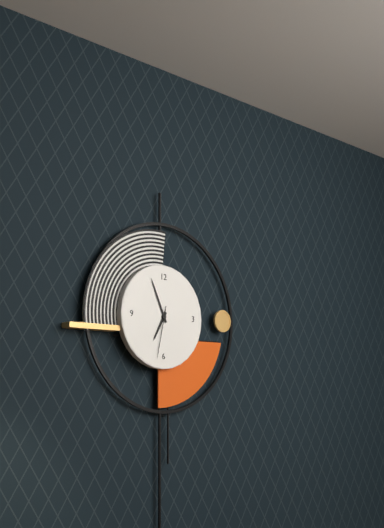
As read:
6.56.32
